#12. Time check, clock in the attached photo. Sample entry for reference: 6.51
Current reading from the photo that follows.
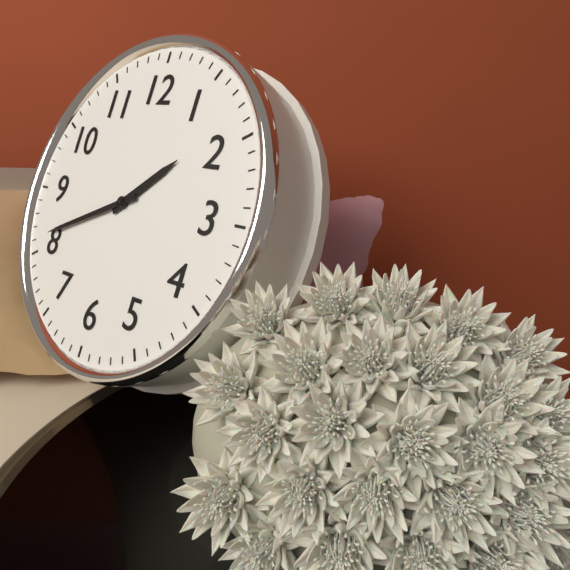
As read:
1.41
